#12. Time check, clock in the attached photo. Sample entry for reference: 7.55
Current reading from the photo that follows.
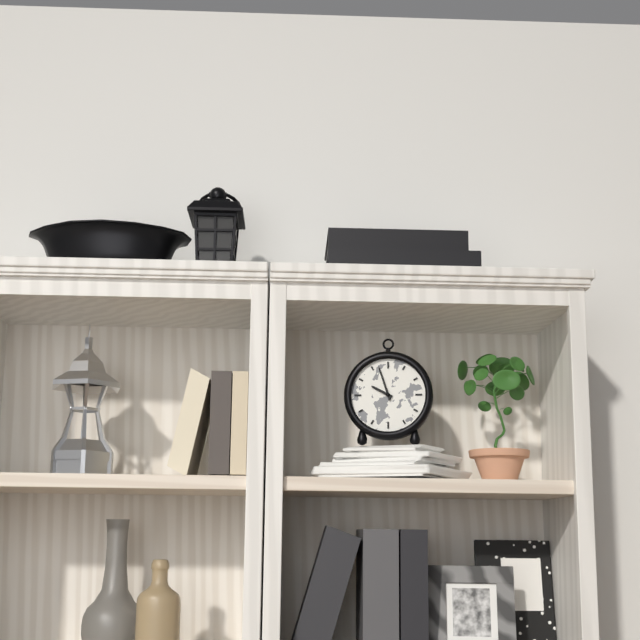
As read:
9.57
